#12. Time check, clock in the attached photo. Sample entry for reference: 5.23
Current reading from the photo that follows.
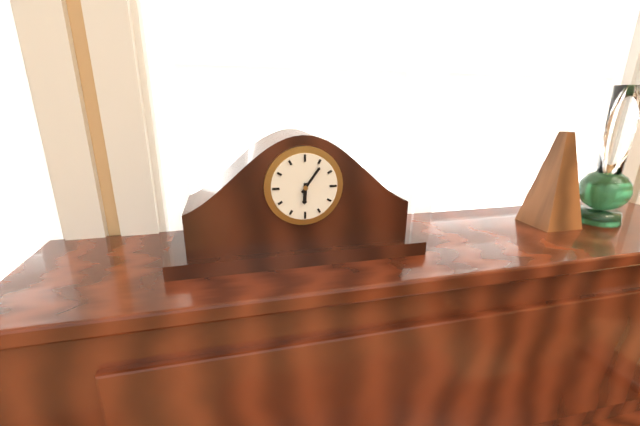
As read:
6.06
